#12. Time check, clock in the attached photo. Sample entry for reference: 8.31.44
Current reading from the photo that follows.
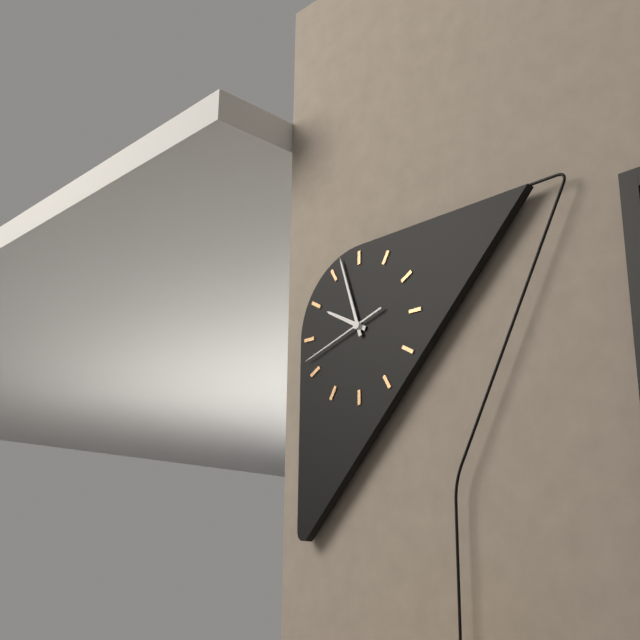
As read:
9.57.42
